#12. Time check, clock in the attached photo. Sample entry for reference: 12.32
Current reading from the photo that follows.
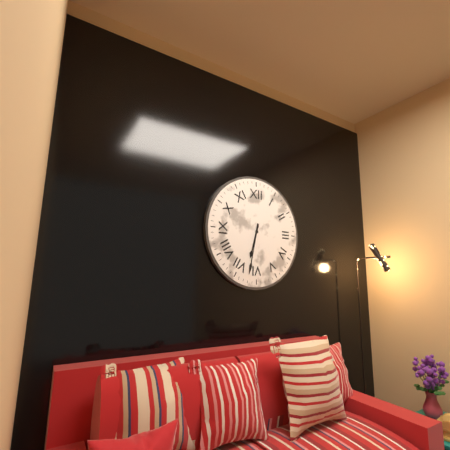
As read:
6.32
